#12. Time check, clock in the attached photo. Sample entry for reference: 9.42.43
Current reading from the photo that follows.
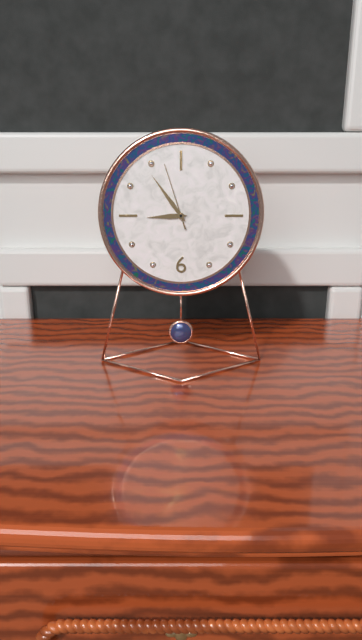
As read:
8.54.57
